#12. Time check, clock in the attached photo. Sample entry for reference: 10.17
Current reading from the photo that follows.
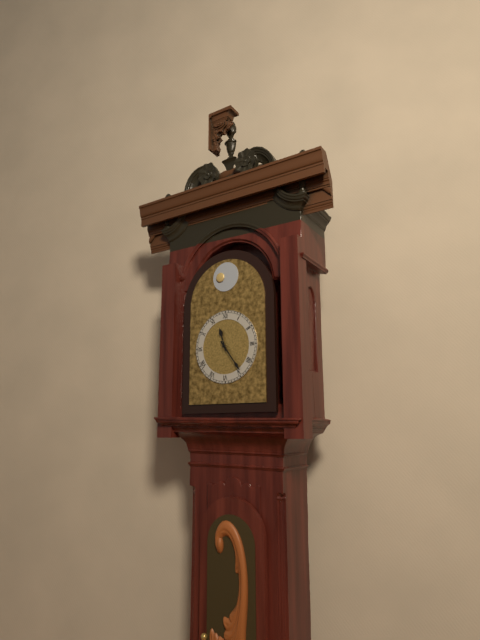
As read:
11.24
